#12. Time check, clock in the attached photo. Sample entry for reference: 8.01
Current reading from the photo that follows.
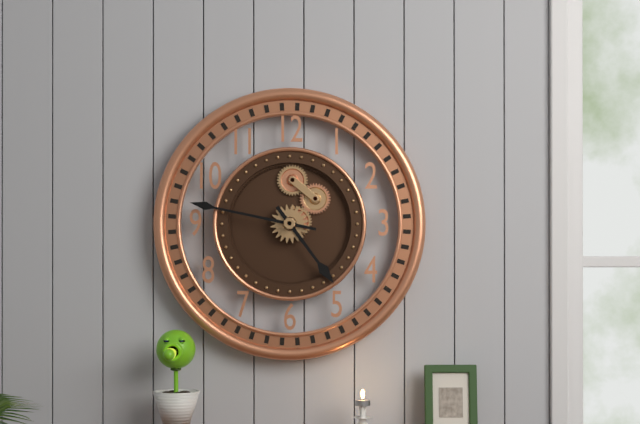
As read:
4.47
